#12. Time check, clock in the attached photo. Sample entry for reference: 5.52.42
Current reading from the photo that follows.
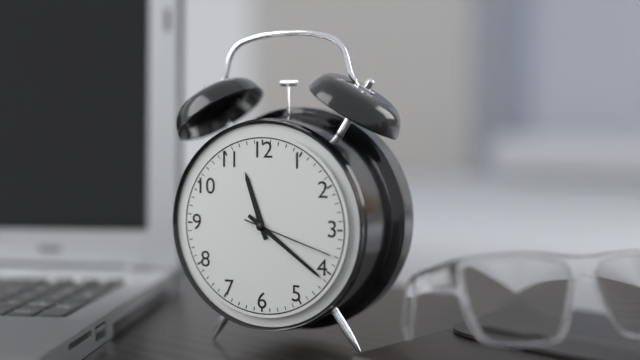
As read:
11.21.18
